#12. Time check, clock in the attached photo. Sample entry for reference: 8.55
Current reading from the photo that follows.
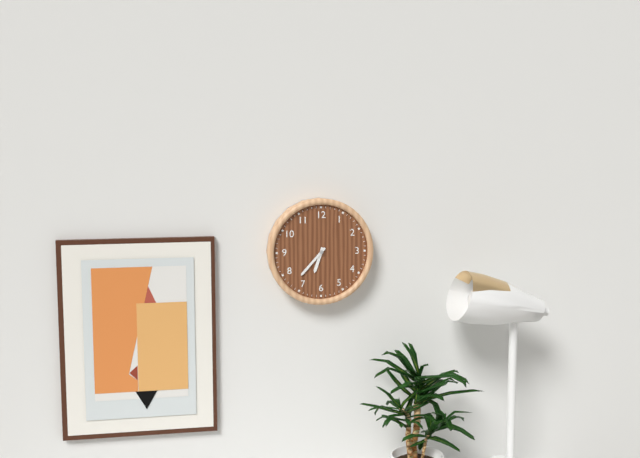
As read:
6.37
